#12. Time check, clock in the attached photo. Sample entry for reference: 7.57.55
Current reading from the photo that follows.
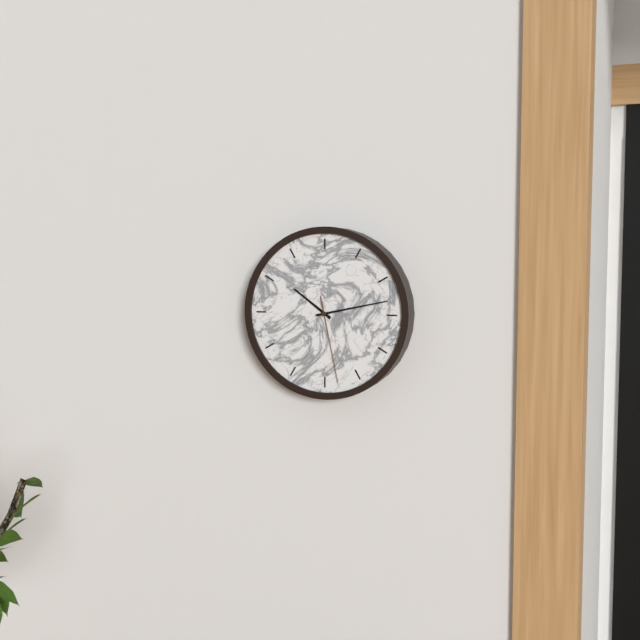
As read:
10.13.28
